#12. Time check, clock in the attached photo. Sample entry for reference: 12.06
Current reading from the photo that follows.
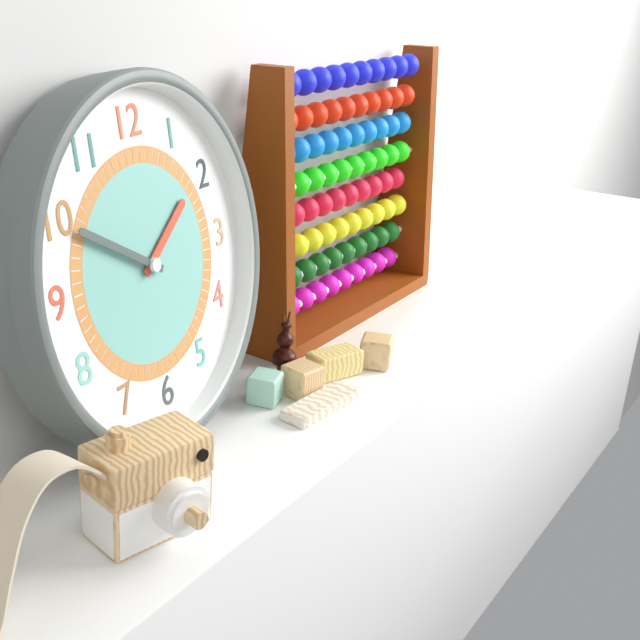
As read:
1.50
